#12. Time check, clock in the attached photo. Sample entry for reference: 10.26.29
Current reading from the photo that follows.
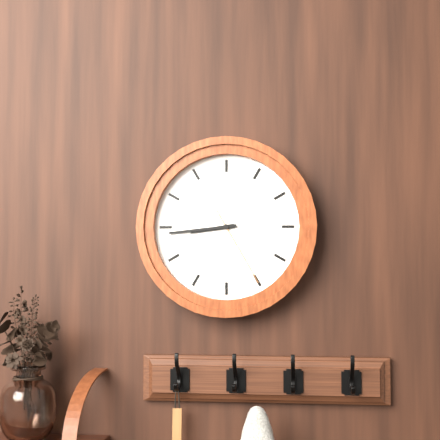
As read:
8.44.25
